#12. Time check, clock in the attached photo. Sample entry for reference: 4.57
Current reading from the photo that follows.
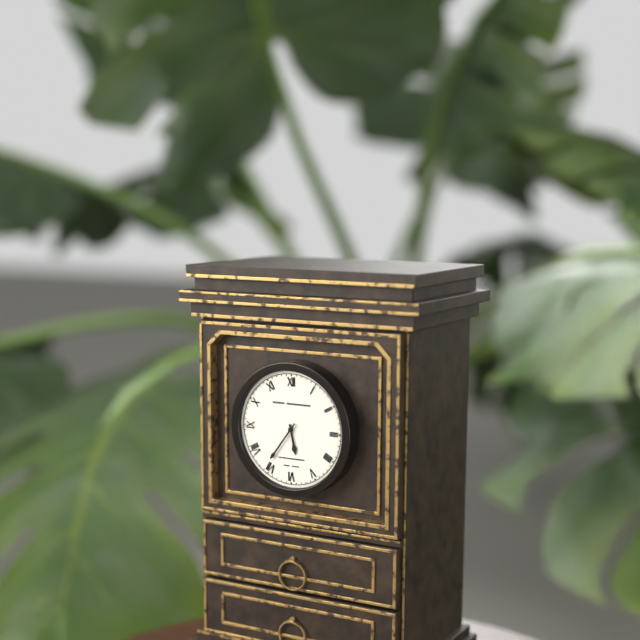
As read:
5.36
